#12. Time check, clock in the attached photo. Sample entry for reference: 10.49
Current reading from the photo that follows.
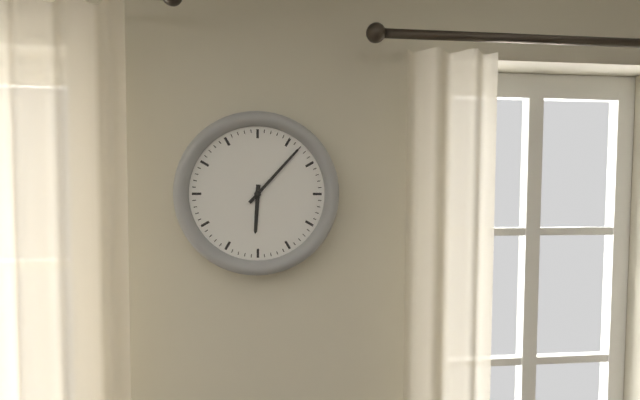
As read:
6.07
